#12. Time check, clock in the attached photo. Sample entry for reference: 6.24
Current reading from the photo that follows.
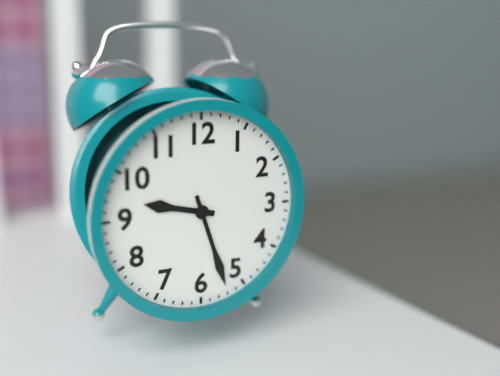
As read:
9.27
